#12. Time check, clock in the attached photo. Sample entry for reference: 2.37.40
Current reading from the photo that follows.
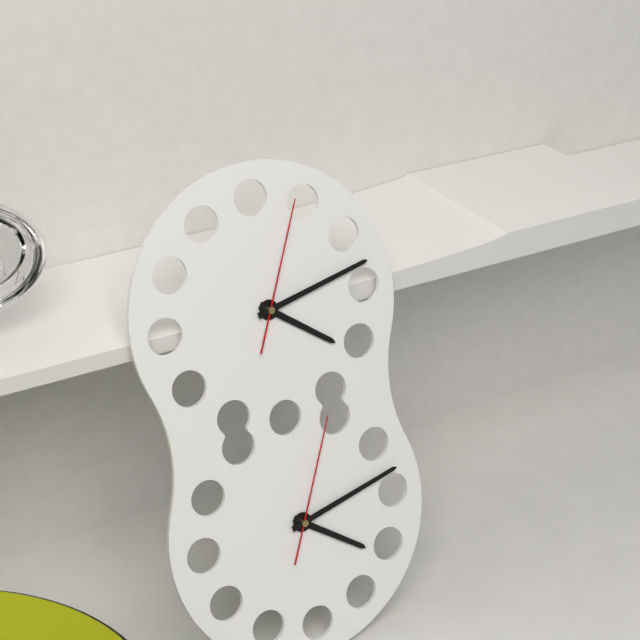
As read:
4.13.04
